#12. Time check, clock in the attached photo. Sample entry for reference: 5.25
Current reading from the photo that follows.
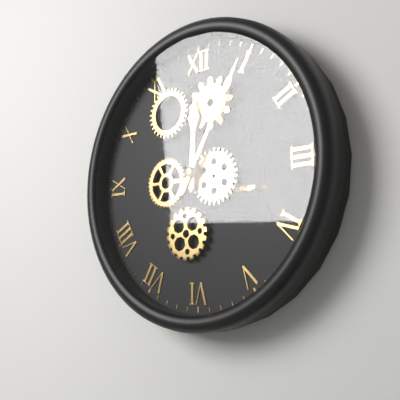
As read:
12.05
